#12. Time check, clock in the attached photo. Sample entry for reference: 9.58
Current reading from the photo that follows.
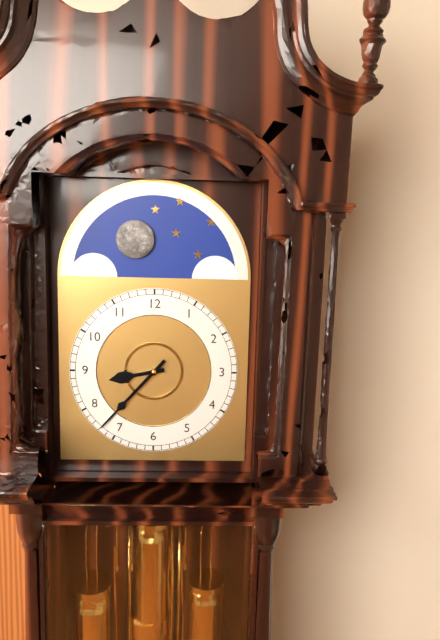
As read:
8.37
